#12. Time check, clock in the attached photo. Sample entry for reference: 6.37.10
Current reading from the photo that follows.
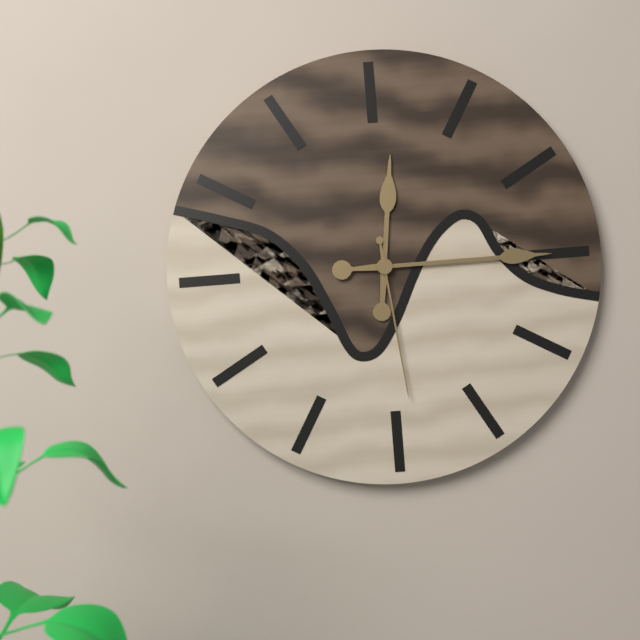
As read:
12.15.29
